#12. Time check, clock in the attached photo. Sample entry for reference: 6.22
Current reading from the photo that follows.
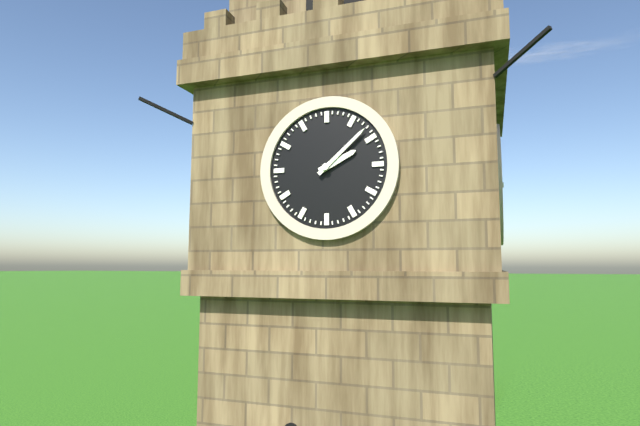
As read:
2.08
